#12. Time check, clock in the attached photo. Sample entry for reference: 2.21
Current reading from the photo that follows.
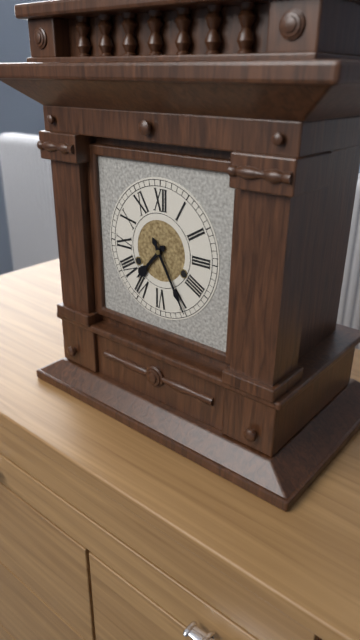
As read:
7.25
